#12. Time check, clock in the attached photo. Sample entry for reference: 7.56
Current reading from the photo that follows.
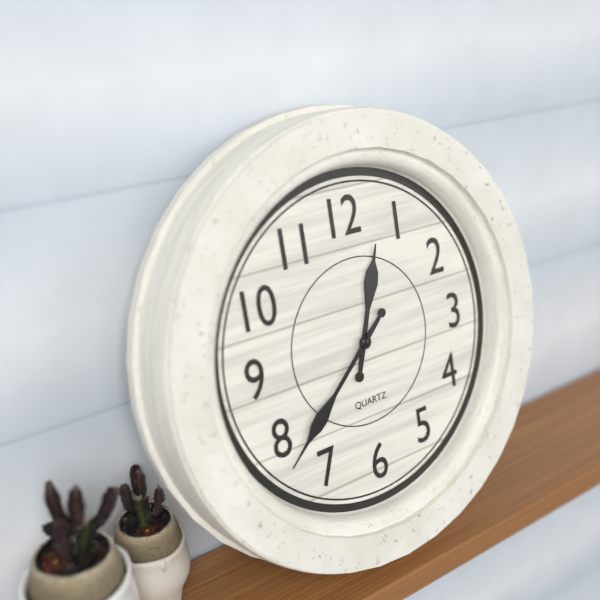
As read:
12.38
